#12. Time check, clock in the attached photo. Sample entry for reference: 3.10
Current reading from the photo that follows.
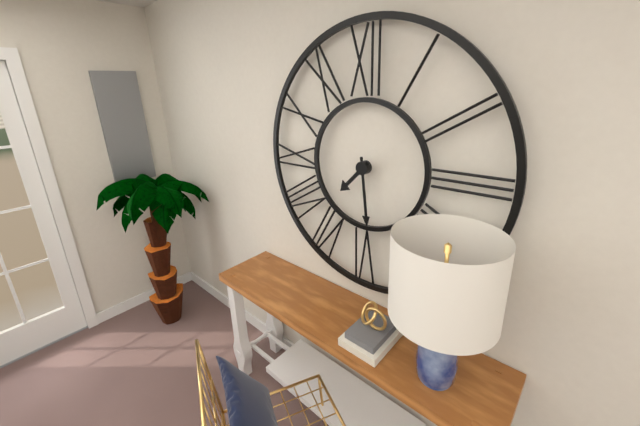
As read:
7.29
